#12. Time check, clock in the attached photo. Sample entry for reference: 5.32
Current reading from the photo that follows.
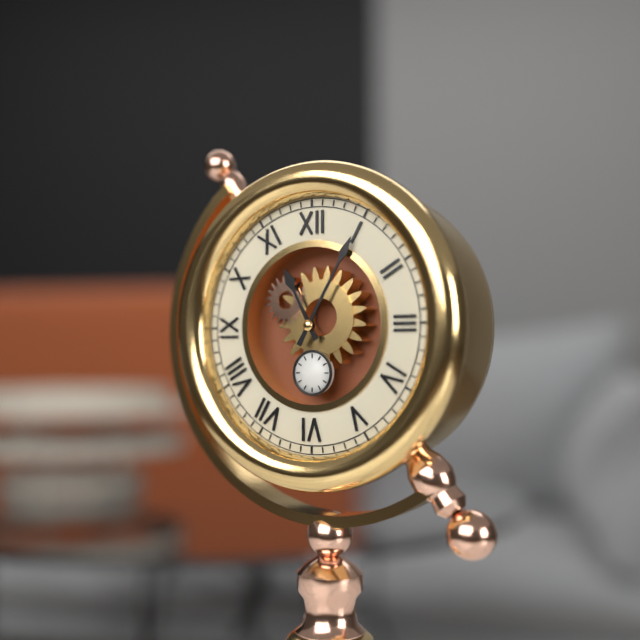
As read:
11.05
